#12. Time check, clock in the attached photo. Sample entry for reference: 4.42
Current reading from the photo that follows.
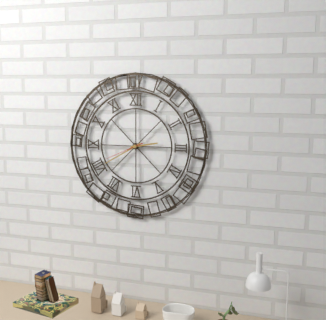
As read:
2.40
